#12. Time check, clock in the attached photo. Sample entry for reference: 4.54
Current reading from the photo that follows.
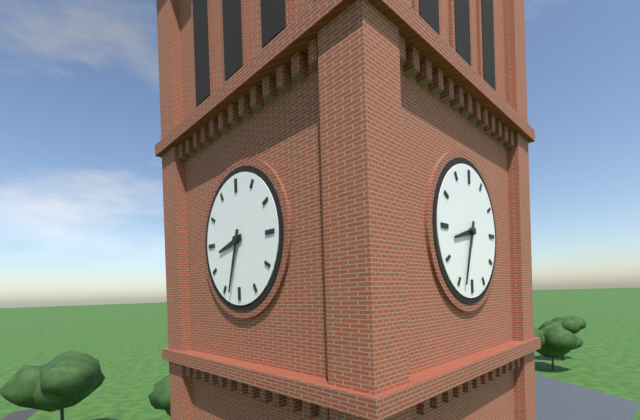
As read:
8.33
